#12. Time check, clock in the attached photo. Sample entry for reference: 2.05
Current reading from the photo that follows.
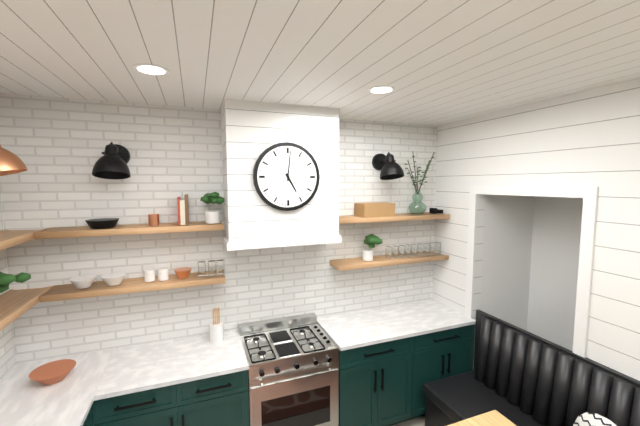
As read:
5.01
